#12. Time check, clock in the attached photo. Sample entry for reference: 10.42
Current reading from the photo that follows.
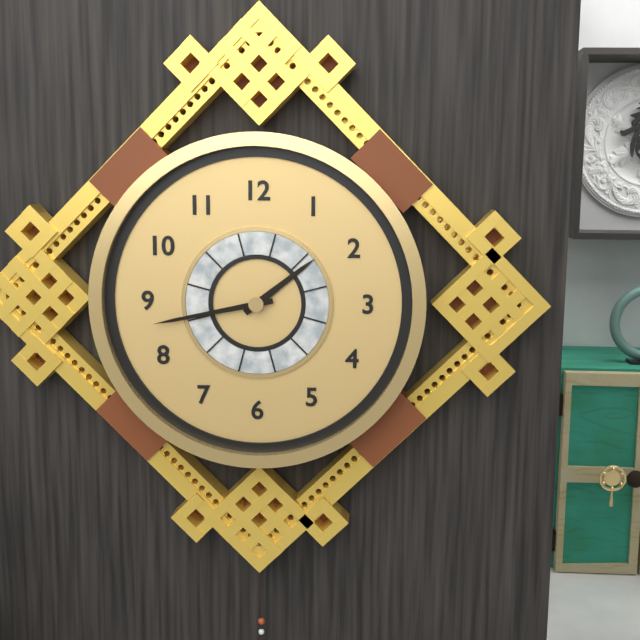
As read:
1.43
